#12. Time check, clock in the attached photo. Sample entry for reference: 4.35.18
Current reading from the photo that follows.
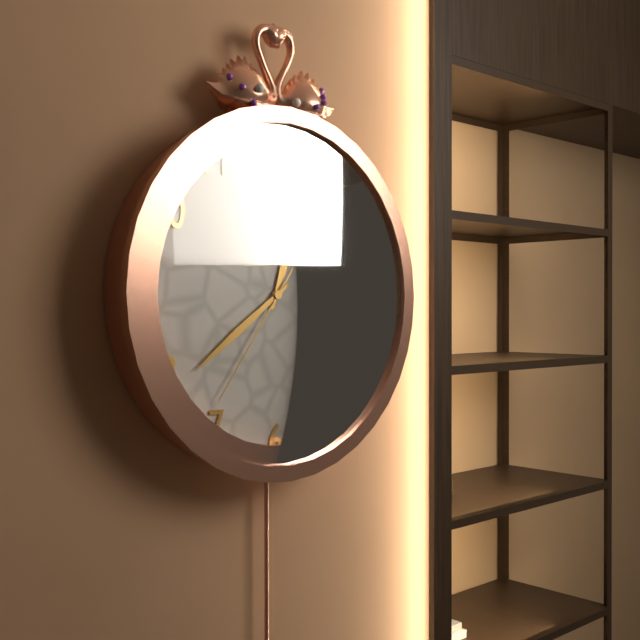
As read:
12.39.36
